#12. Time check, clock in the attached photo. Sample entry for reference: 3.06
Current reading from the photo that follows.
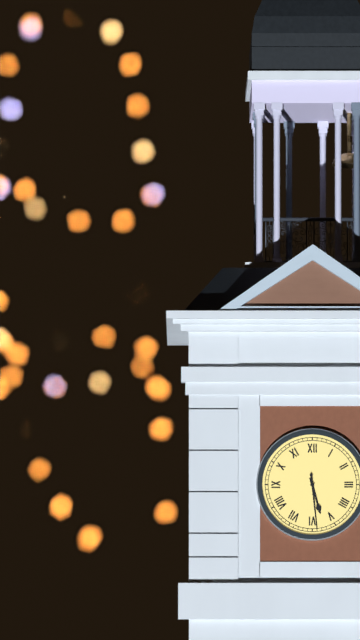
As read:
5.29
